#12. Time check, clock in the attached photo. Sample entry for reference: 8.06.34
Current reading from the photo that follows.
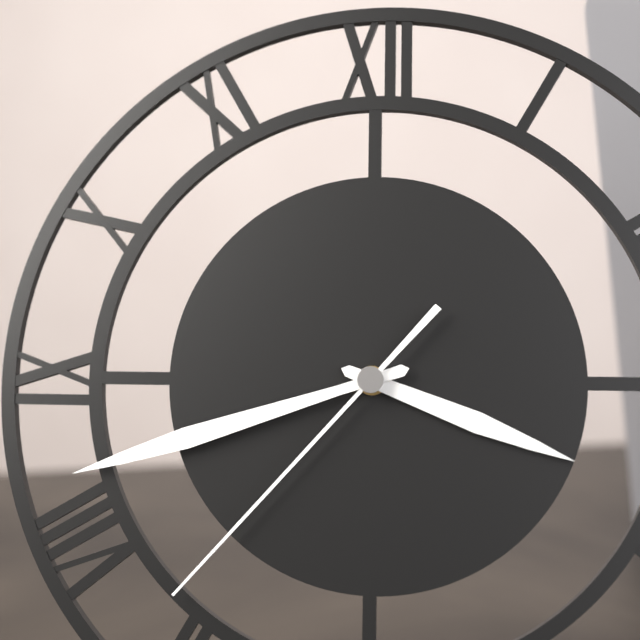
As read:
3.42.37
